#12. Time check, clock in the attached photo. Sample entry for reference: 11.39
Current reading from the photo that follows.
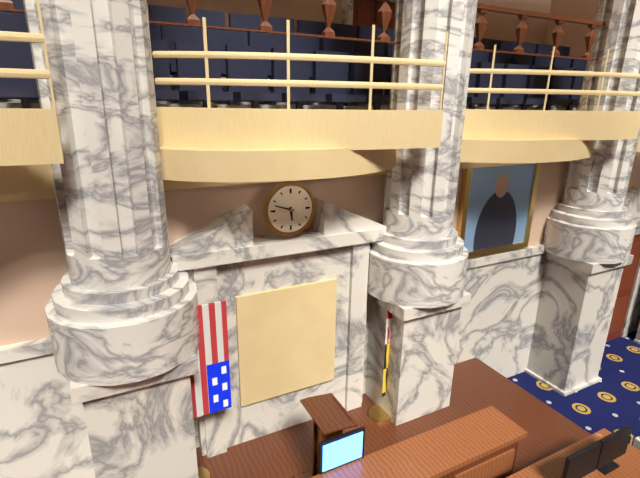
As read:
5.48
